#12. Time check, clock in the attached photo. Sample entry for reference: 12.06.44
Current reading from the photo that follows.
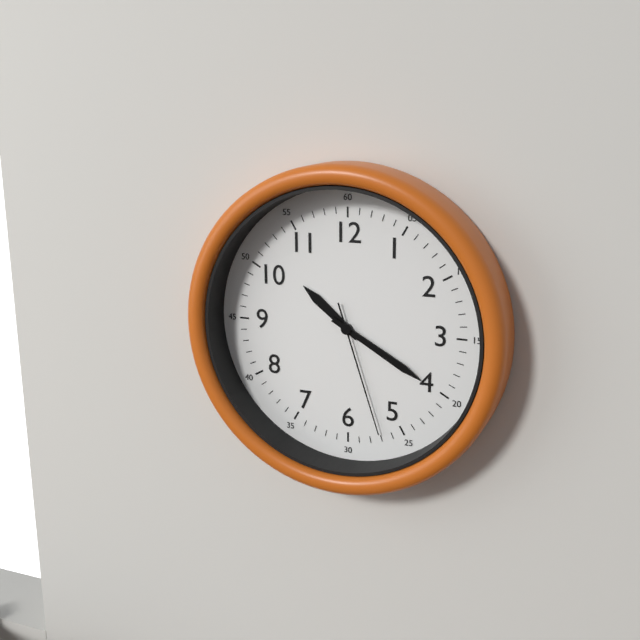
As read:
10.20.27
